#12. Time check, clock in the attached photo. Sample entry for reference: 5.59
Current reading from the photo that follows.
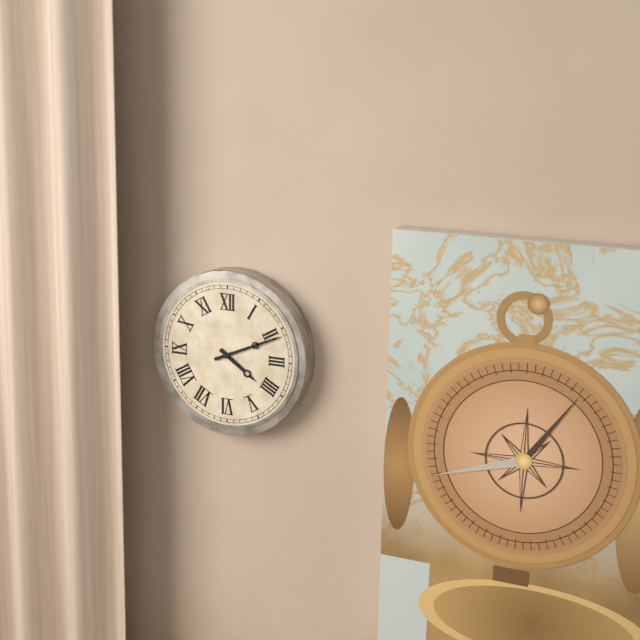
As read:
4.11
